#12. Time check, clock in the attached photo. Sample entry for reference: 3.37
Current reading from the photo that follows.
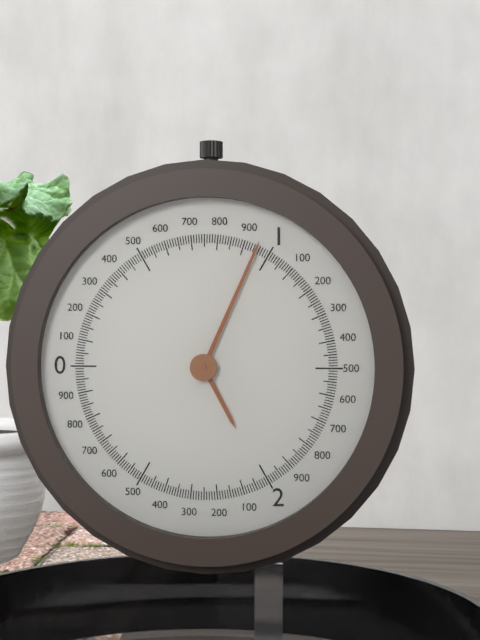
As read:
5.04
